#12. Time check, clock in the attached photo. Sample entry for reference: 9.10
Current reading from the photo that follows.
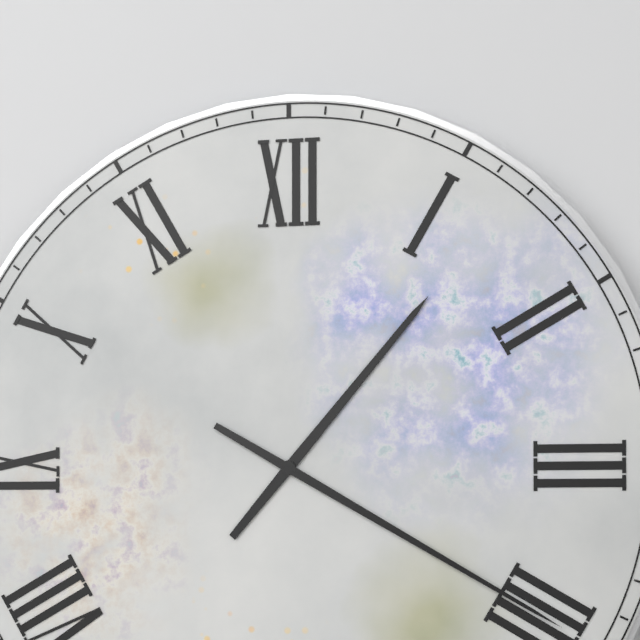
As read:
1.20
